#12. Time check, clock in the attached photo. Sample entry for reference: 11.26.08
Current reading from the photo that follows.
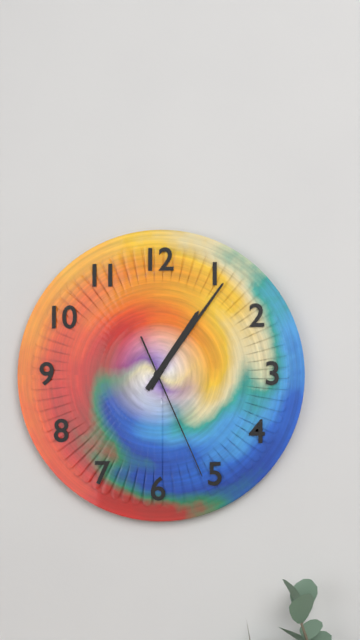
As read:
1.06.26
